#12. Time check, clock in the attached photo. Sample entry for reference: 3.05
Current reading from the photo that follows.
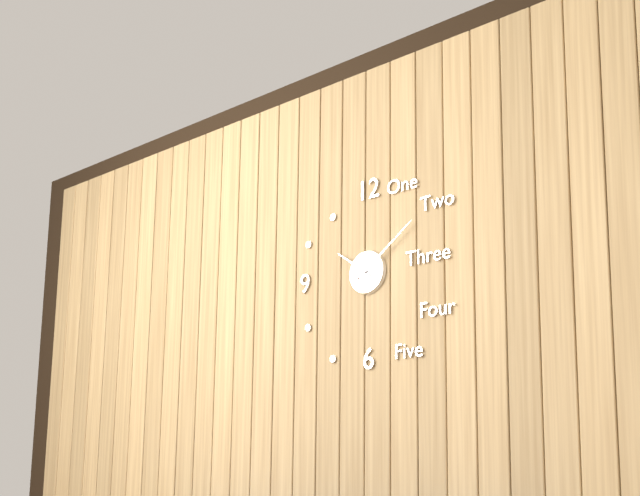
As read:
10.09
